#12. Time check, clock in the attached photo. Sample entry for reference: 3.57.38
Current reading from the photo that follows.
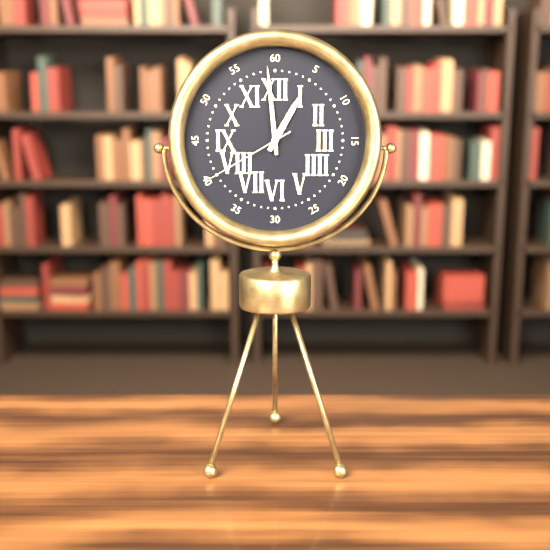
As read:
12.59.40
